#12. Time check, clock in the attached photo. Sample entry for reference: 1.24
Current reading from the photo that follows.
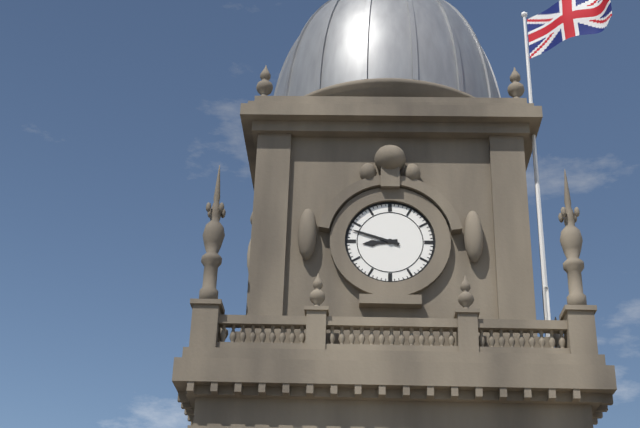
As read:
8.48
